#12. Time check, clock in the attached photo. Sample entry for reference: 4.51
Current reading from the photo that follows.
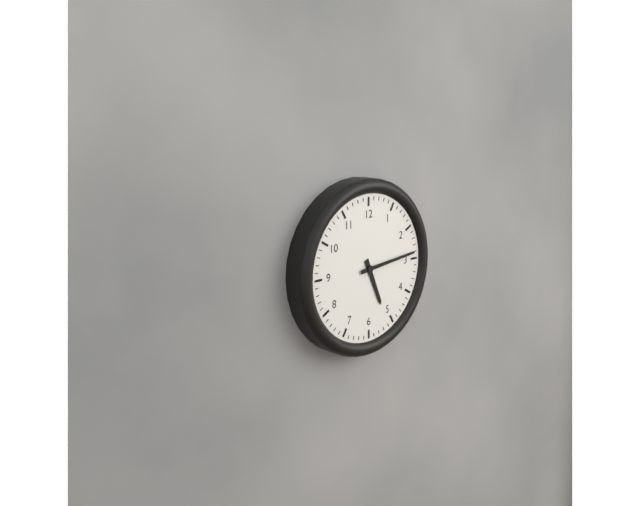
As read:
5.14
